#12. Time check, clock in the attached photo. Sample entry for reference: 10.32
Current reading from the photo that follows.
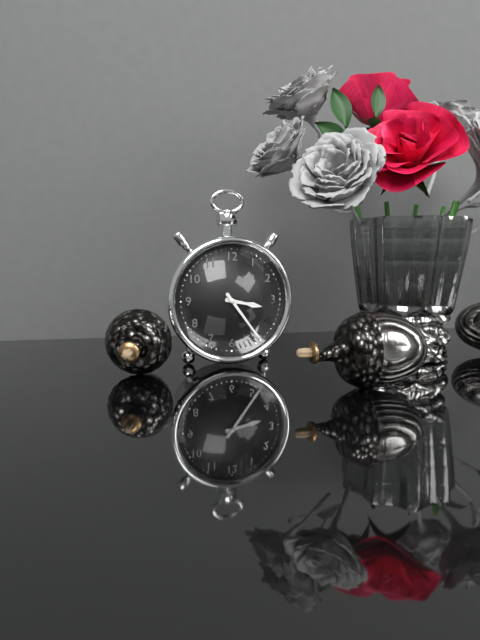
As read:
3.24
